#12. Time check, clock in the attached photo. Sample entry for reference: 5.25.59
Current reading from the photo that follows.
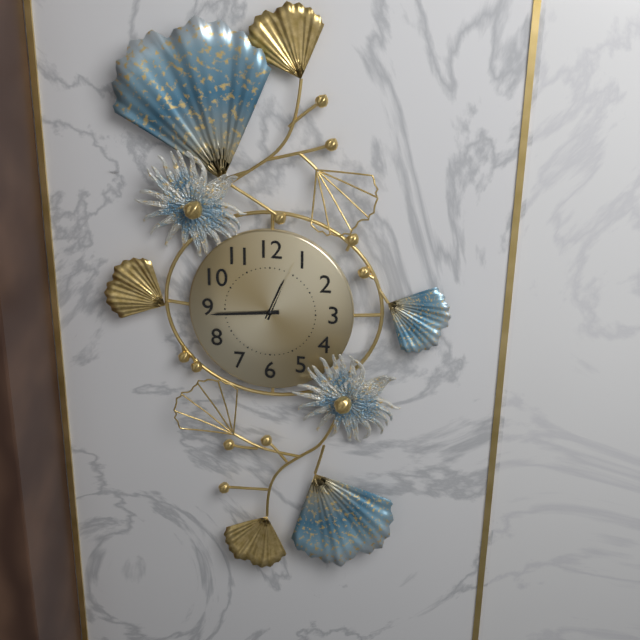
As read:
12.44.04
